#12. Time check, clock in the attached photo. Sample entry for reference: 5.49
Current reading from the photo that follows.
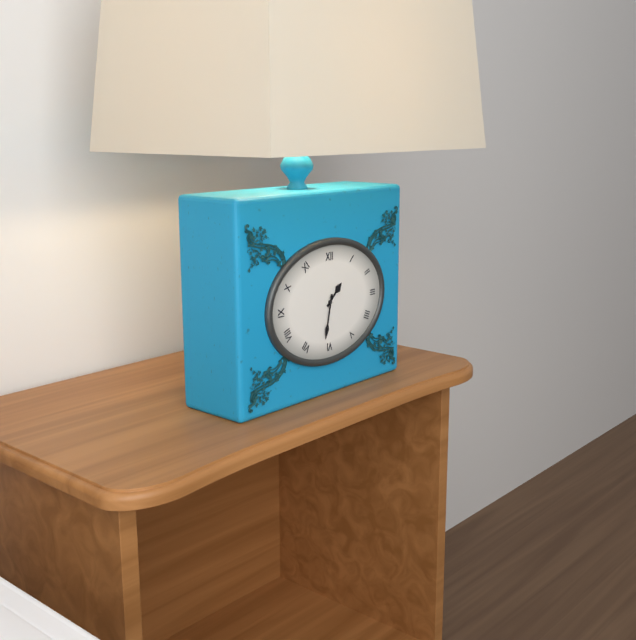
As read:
1.32
